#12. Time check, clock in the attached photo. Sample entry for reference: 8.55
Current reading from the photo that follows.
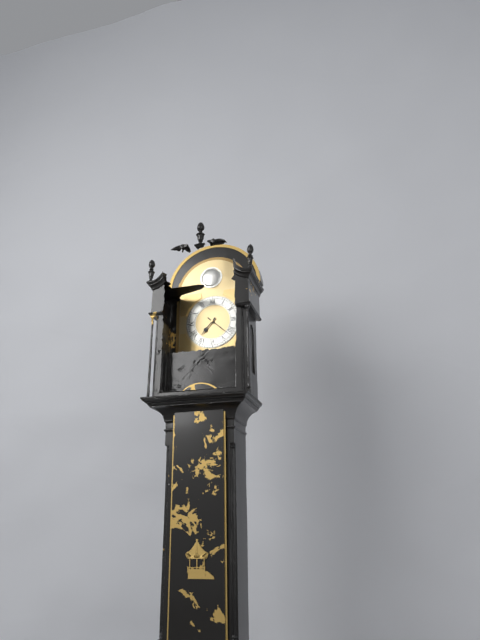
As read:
7.22
